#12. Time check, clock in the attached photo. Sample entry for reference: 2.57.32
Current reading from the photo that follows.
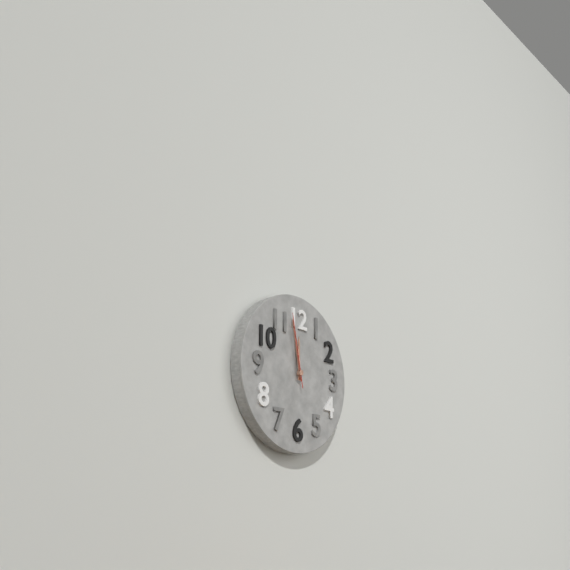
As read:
11.58.58
